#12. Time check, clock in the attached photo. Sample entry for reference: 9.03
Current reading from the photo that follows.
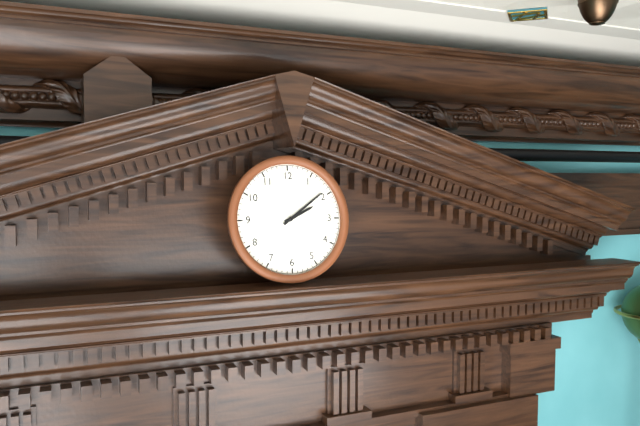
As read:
2.09
